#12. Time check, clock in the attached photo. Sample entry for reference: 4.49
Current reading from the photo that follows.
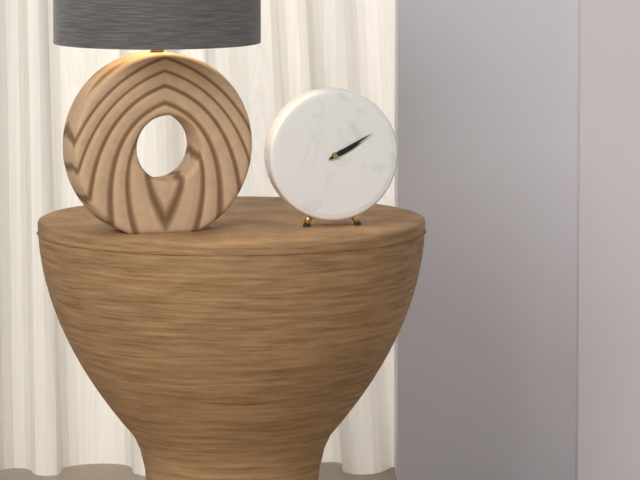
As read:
2.10
